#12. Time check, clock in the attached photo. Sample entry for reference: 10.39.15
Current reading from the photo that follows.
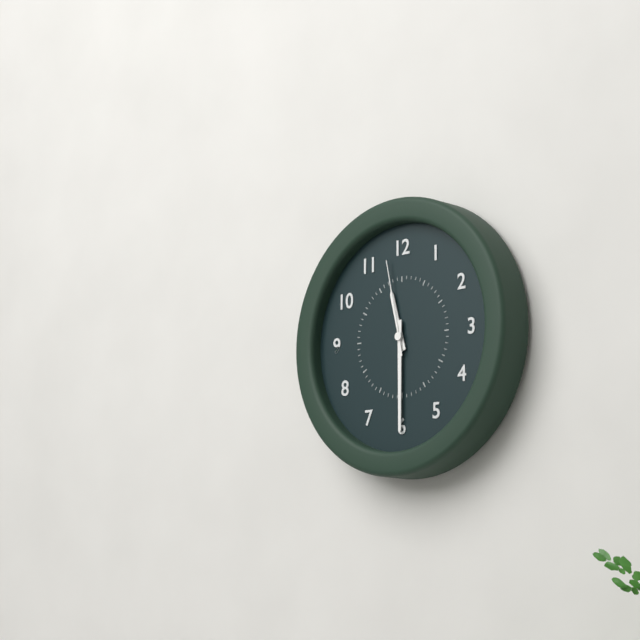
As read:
11.30.58
